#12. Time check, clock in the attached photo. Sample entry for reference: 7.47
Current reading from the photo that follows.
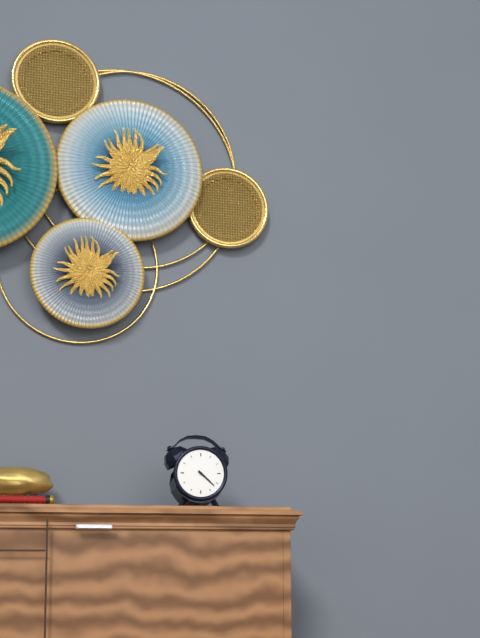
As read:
4.22
